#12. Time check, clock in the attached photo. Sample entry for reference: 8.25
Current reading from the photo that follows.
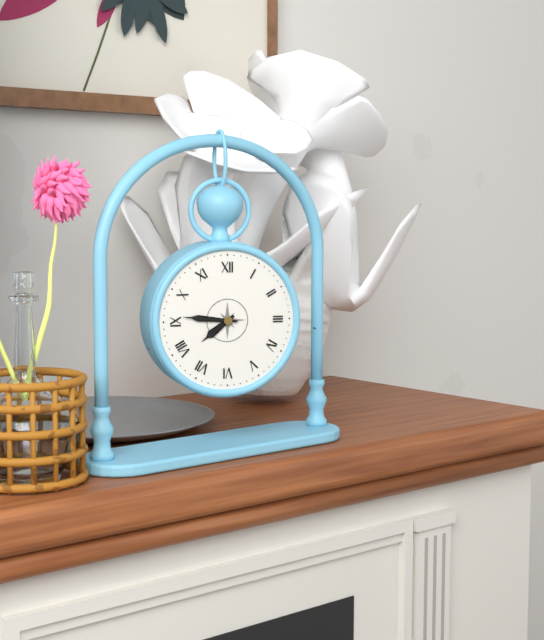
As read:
7.46
